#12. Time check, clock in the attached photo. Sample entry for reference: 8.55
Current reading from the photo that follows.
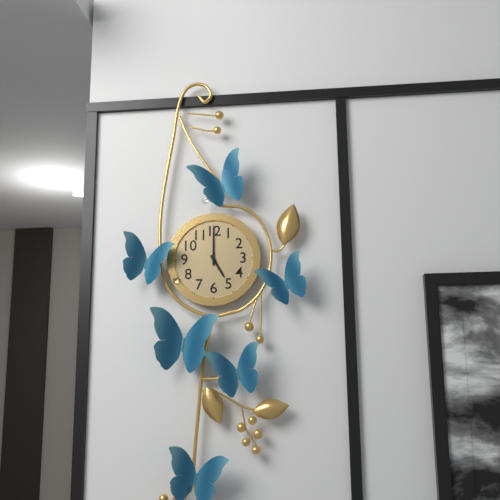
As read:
5.00
